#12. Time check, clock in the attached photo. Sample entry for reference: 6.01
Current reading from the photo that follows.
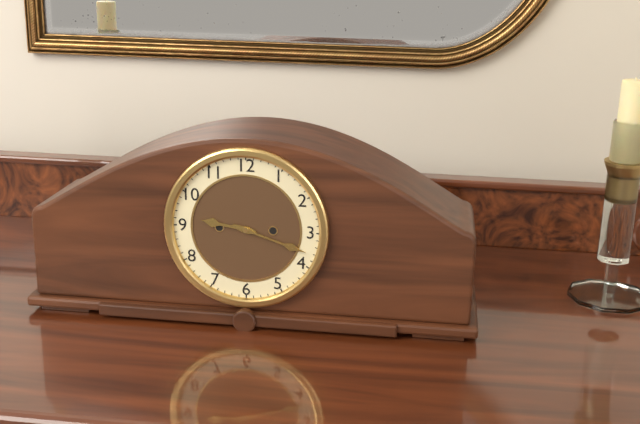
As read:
9.18
